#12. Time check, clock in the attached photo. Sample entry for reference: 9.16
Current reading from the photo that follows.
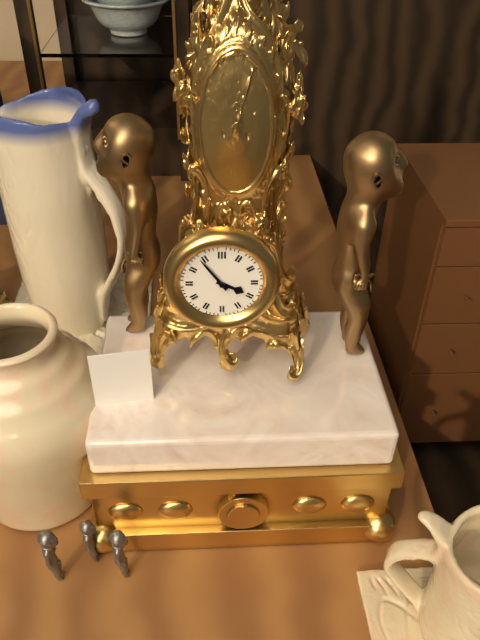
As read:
3.54
